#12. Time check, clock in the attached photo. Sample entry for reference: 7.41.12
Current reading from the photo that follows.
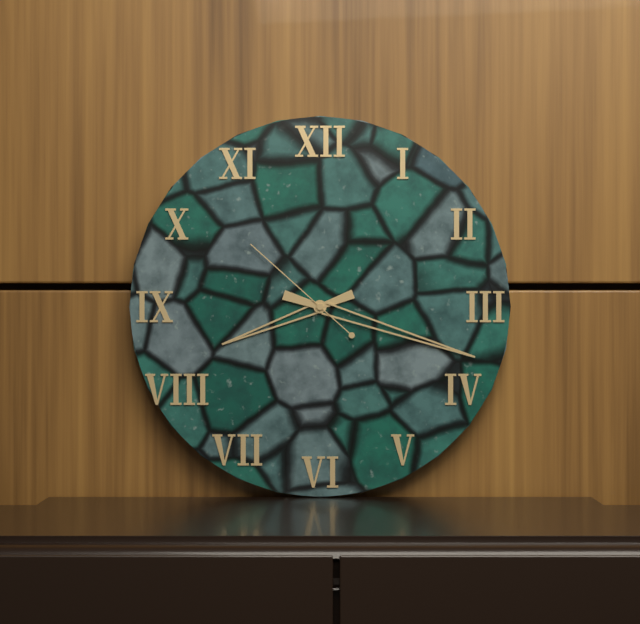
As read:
8.18.52
